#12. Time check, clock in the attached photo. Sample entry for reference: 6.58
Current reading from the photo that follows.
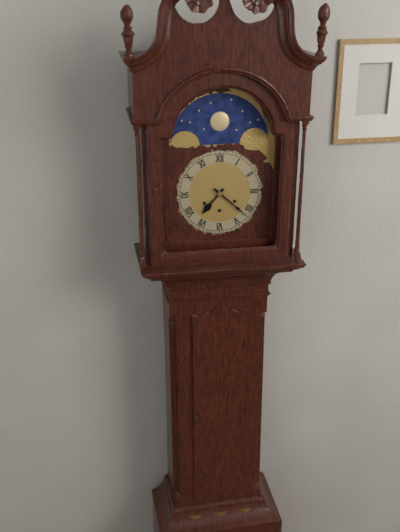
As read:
7.22
